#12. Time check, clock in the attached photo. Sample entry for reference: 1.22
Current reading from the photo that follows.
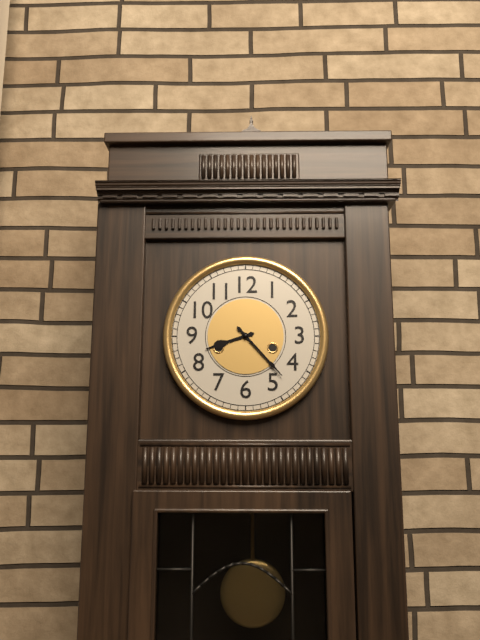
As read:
8.23
